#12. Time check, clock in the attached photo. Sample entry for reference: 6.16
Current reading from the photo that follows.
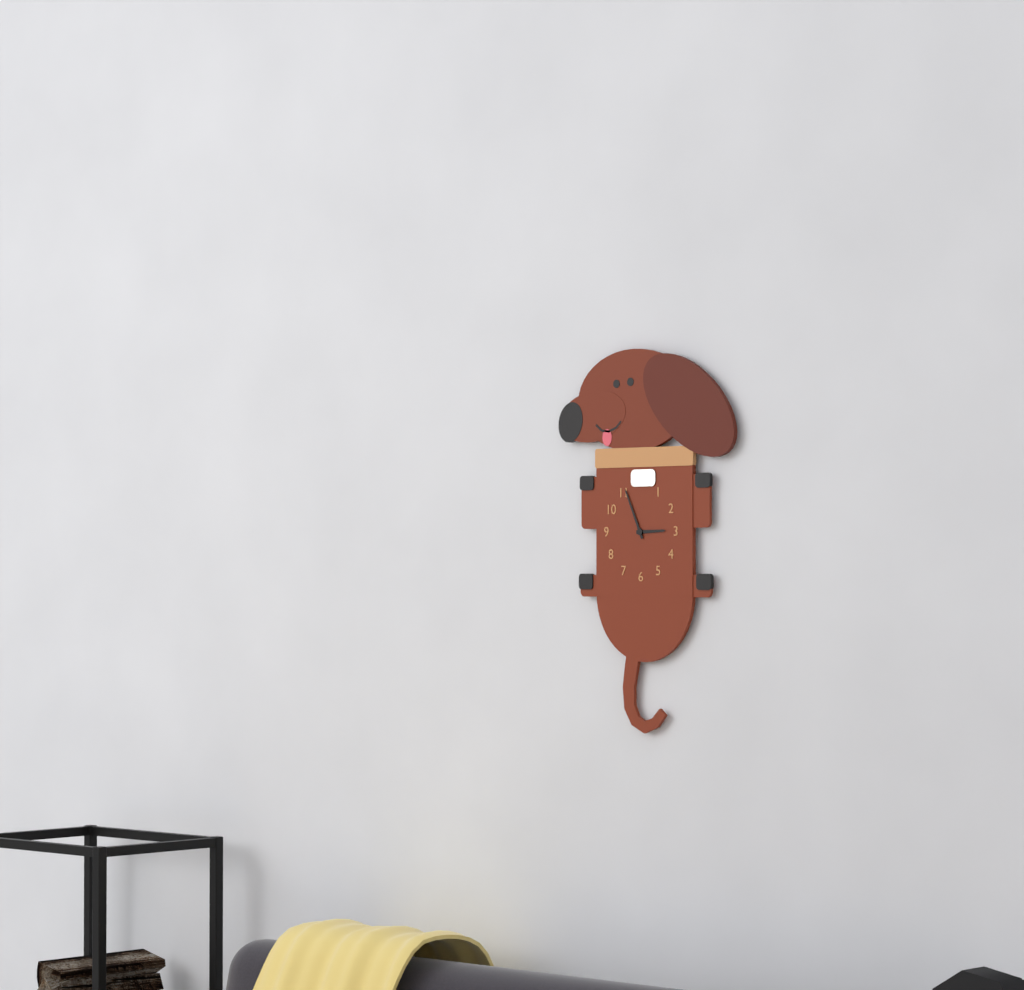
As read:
2.56
